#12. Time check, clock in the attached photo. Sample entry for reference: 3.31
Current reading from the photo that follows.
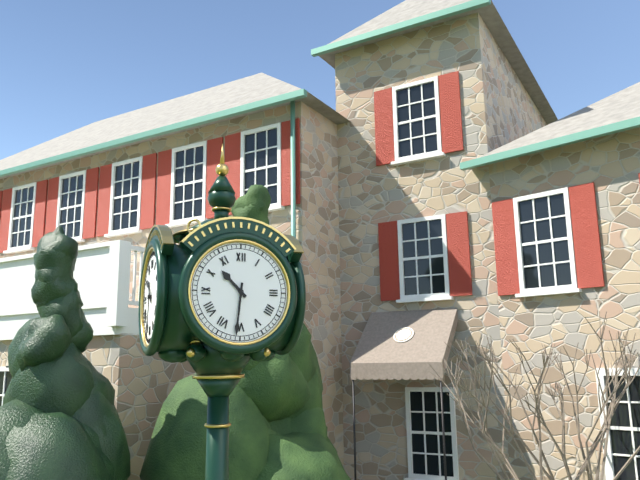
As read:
10.31
